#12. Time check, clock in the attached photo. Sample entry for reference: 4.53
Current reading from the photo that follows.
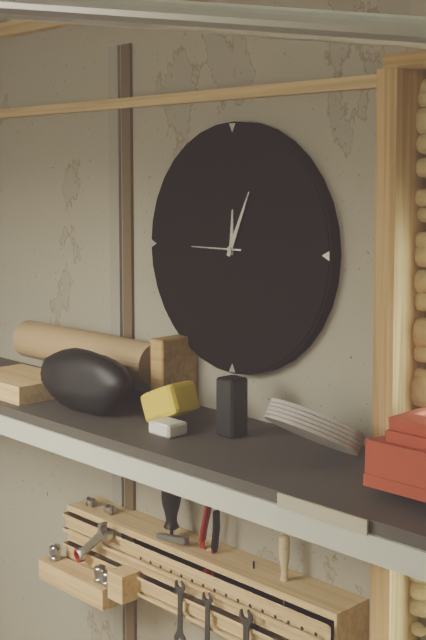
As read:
12.04
